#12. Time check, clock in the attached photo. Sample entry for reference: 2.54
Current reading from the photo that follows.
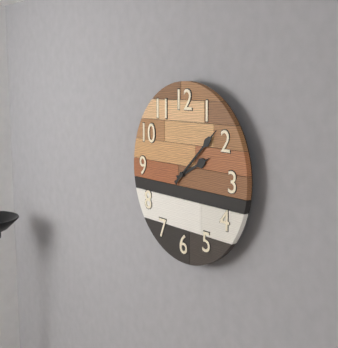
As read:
2.08
